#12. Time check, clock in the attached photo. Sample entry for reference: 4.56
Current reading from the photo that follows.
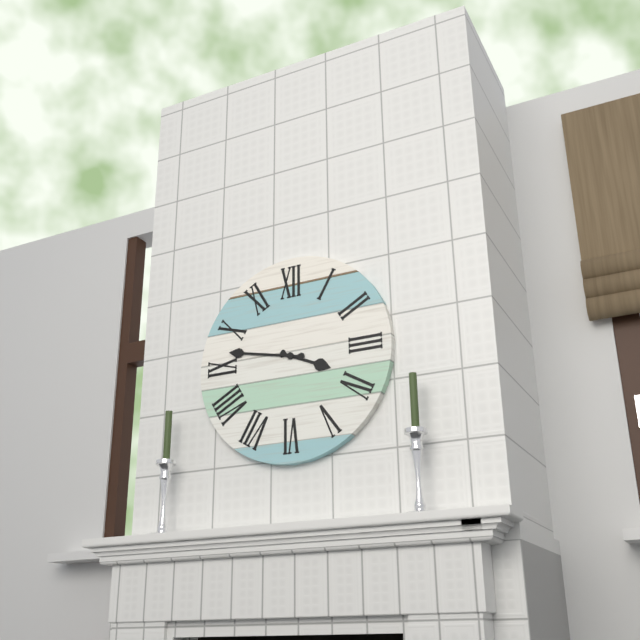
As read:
3.47
